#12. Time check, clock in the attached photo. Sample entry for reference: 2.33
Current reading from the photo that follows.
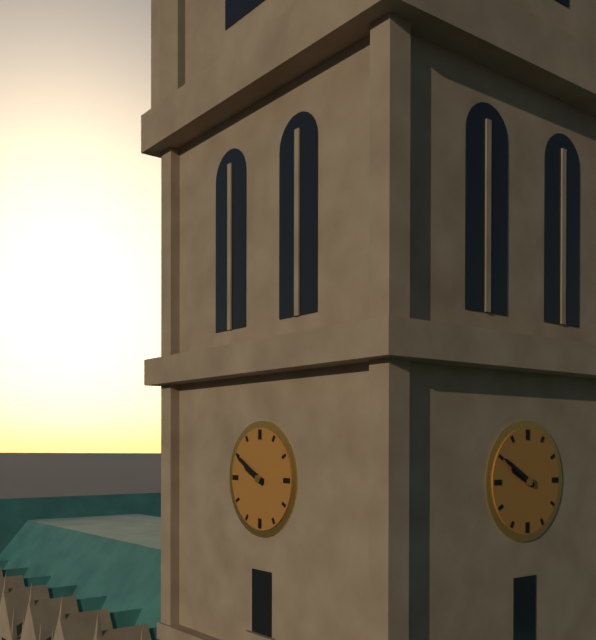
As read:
9.50
